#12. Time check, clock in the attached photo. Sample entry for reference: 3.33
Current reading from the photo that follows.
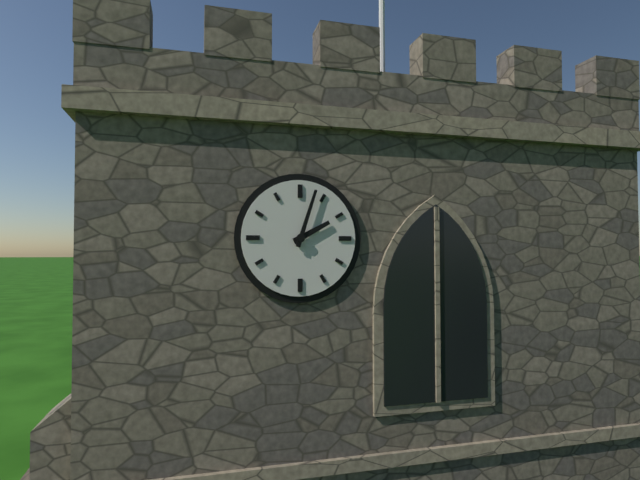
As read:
2.03
